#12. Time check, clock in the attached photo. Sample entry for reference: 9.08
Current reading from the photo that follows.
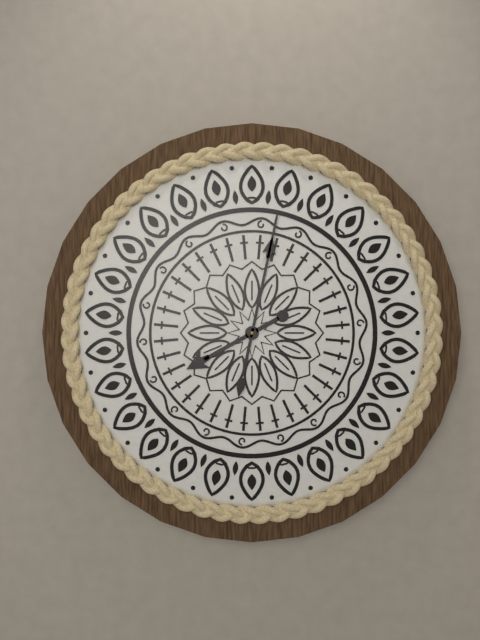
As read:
8.02
